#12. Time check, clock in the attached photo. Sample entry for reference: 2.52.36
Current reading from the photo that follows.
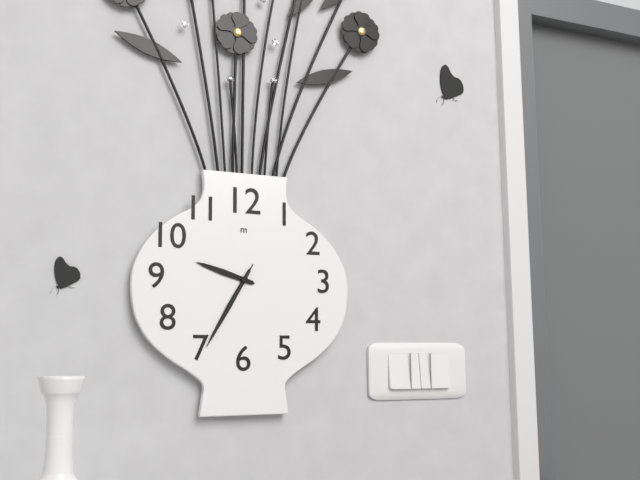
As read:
9.35.35
